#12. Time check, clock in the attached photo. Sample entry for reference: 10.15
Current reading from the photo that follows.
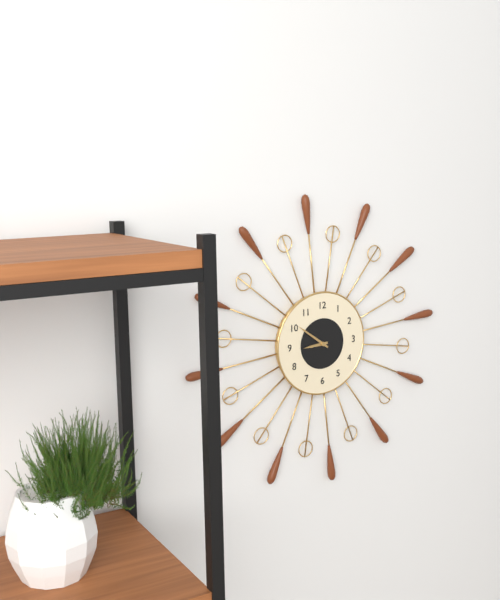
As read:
8.51
